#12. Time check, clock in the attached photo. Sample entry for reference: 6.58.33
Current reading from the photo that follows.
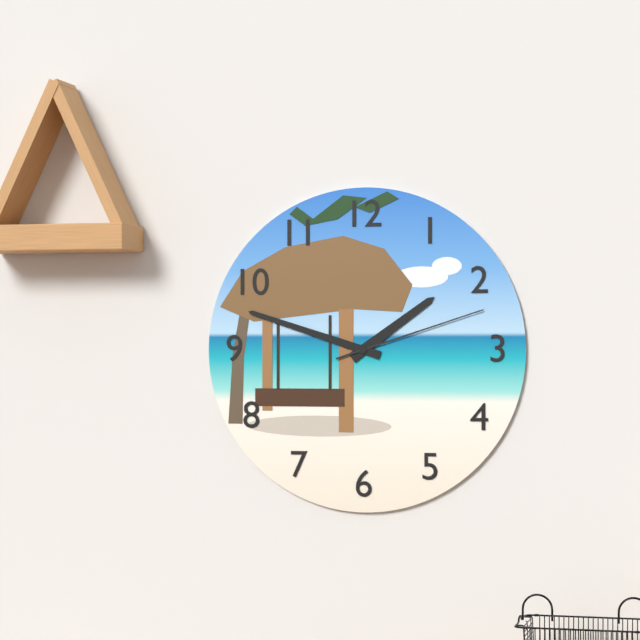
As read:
1.48.12
